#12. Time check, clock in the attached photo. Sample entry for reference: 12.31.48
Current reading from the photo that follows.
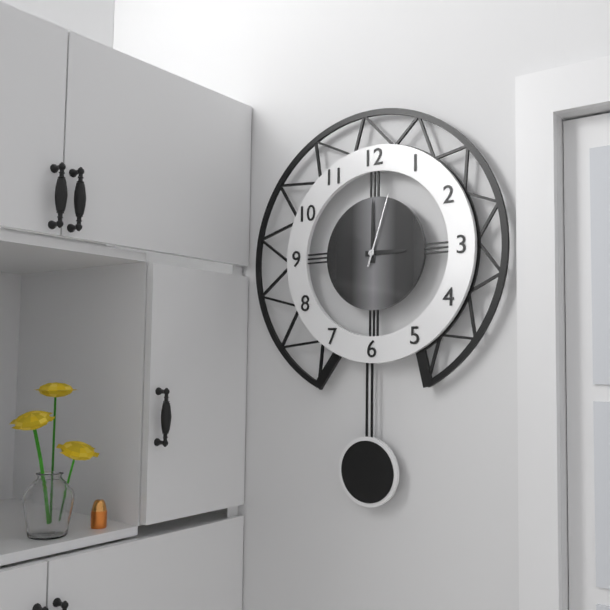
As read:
3.00.03
